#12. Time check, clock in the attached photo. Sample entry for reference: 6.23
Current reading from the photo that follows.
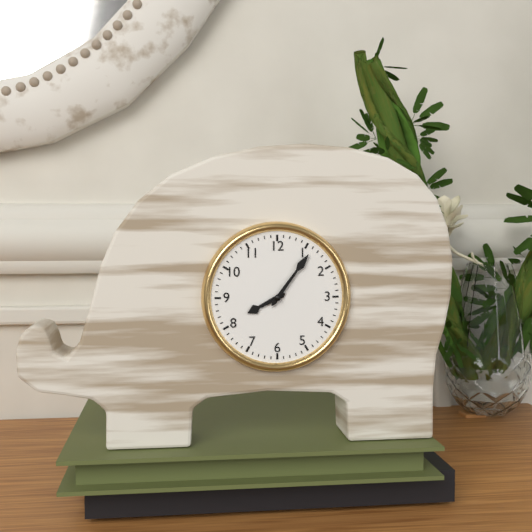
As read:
8.06
